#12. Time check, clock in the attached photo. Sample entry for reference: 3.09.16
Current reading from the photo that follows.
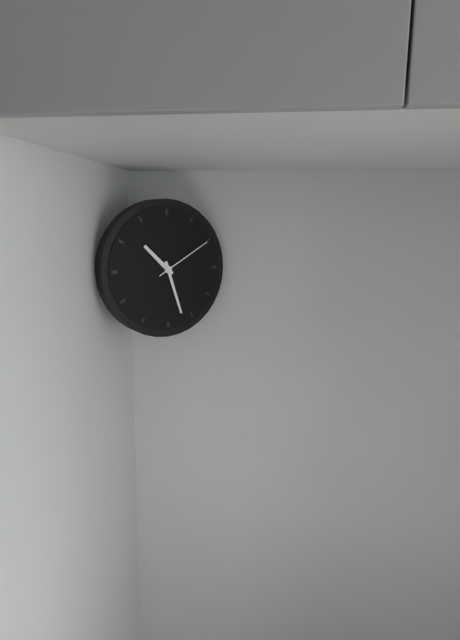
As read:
10.27.10
